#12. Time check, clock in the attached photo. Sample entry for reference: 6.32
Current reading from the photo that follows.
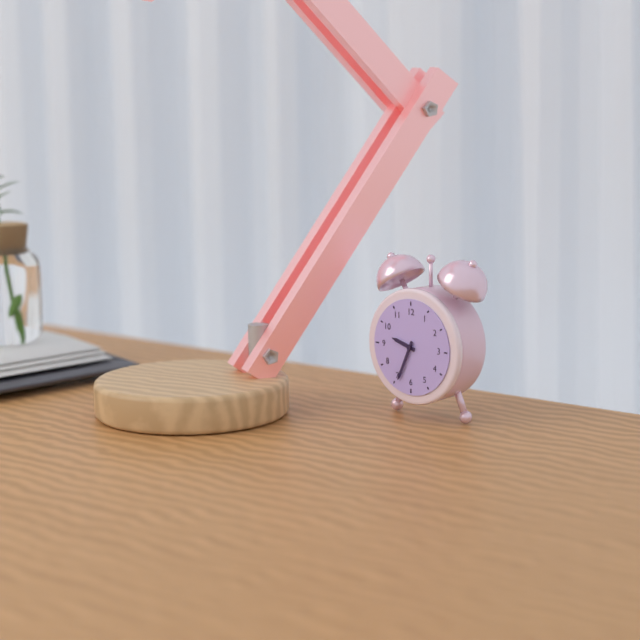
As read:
9.34
